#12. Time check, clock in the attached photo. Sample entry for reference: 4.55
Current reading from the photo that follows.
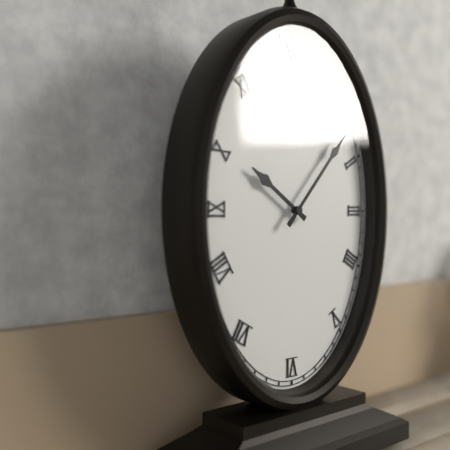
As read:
10.07
